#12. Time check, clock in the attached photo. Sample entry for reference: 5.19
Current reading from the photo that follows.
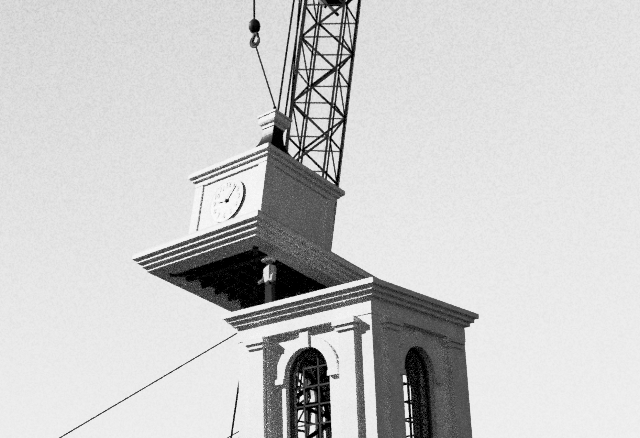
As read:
9.06
